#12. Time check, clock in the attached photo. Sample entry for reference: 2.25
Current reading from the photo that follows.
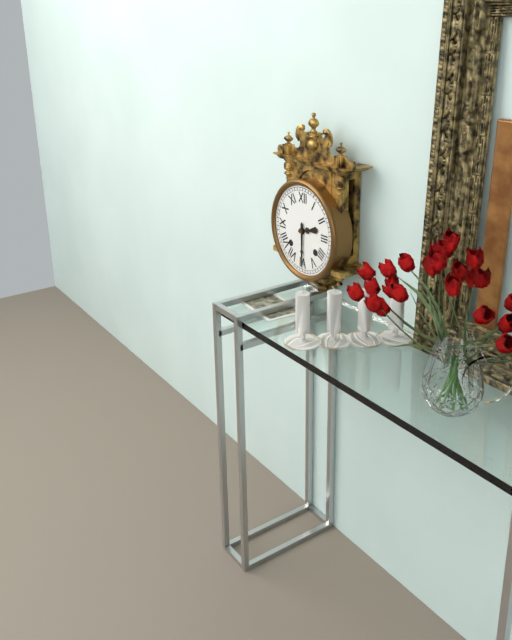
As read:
2.30
